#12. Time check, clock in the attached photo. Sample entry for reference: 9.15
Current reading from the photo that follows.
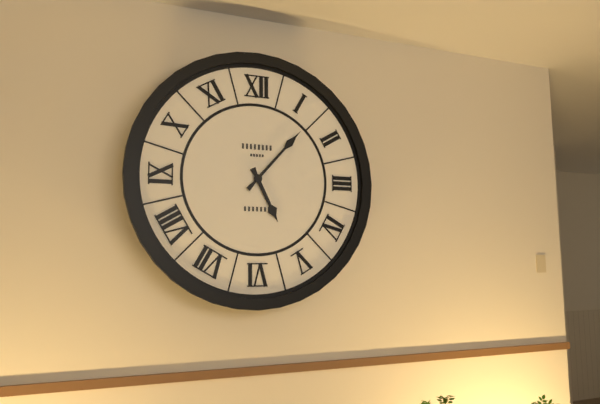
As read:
5.07
